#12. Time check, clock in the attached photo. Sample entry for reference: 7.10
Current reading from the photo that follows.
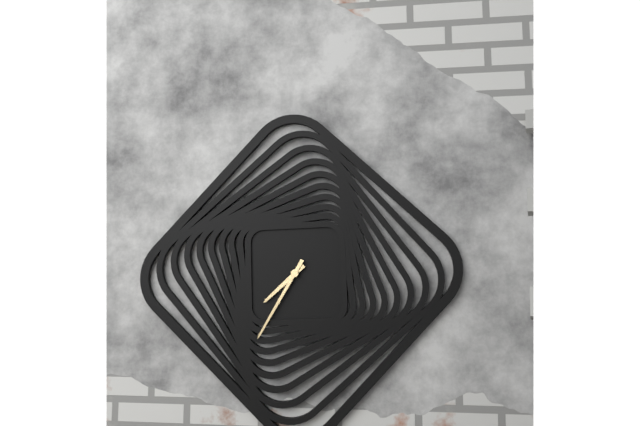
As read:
7.35
